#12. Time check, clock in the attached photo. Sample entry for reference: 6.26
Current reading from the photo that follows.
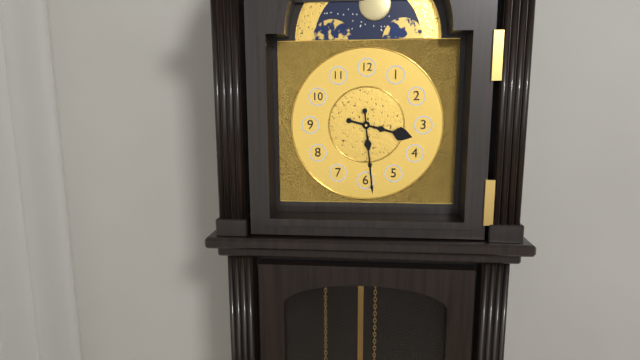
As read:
3.29
